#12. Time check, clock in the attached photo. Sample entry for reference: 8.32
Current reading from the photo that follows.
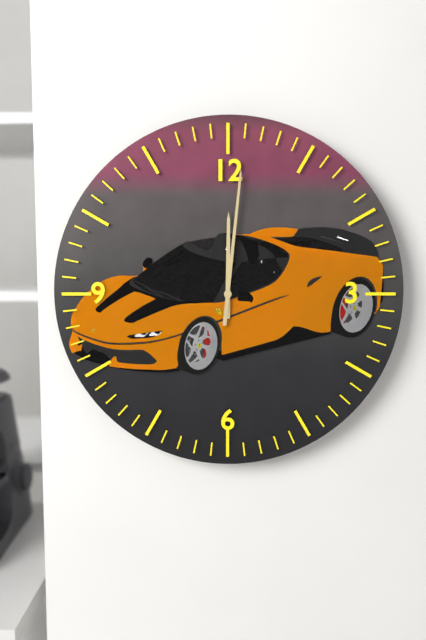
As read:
12.01
